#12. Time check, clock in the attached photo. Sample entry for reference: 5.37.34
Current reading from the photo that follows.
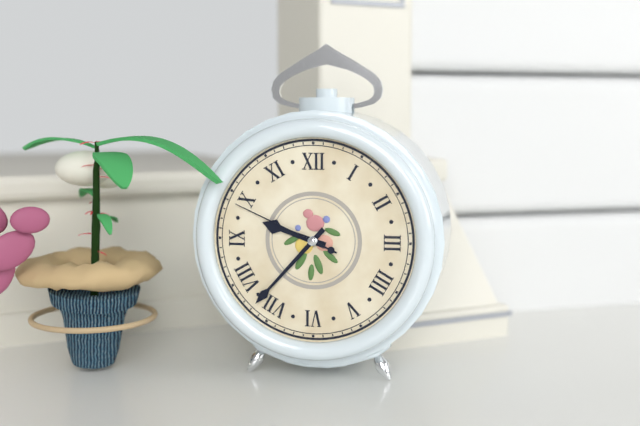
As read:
9.37.49
